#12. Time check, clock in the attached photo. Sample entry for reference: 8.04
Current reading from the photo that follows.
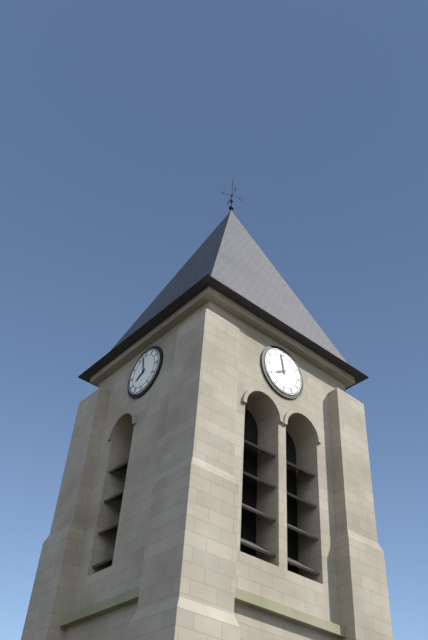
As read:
7.58
